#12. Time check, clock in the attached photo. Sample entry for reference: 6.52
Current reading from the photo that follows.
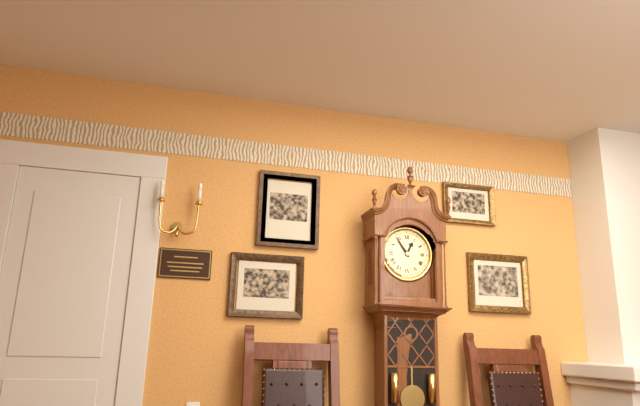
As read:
12.54
